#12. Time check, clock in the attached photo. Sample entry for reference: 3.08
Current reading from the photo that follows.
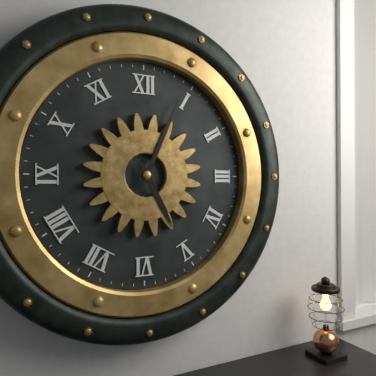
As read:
5.04
